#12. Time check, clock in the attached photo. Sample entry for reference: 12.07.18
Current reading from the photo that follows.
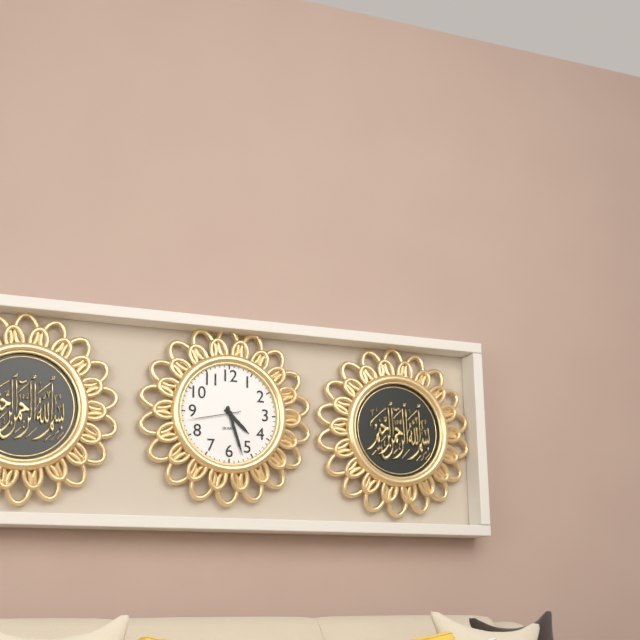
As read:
4.27.43
